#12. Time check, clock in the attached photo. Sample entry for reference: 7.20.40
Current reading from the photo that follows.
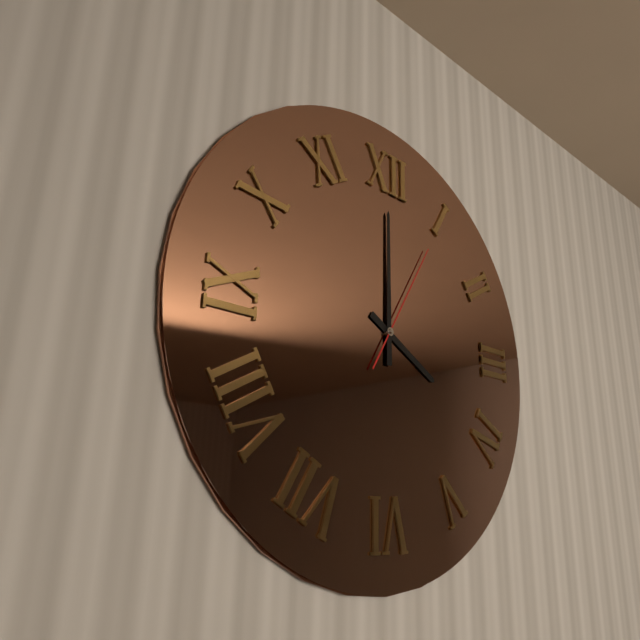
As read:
4.00.05
